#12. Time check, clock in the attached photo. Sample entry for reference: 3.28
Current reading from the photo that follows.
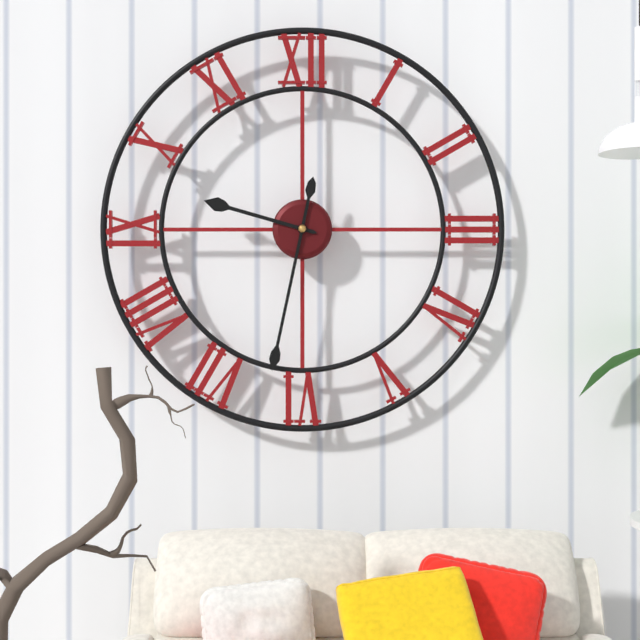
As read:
9.32
